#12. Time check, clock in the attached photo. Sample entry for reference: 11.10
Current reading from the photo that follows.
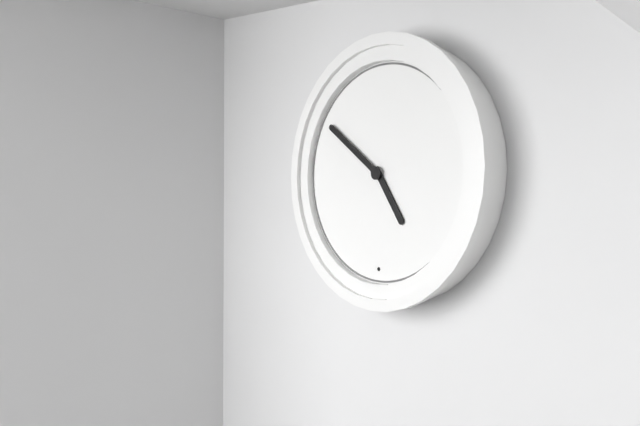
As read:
4.51
